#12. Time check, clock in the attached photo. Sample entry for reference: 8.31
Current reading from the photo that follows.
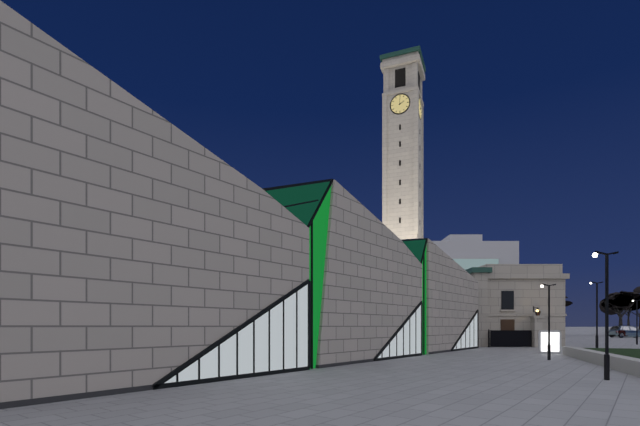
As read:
2.00
